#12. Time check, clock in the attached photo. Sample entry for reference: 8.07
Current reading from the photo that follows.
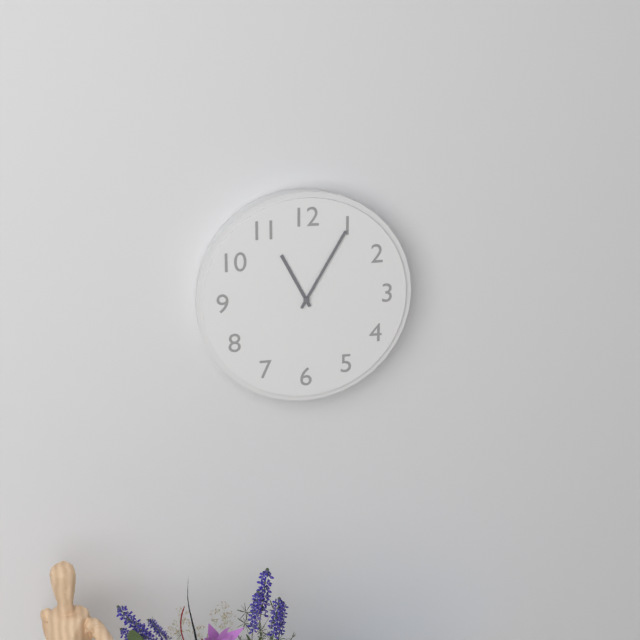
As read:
11.05
